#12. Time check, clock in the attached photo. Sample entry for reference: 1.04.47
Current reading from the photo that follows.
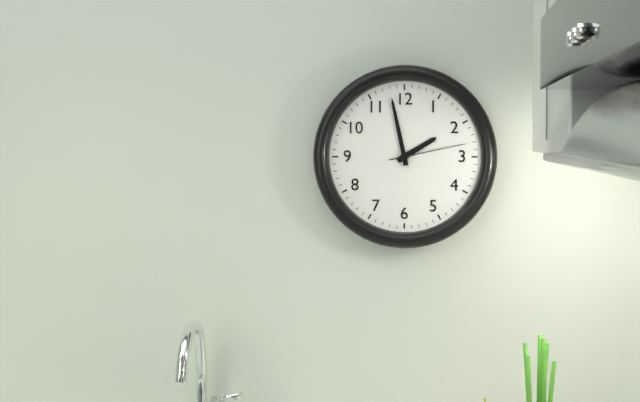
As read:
1.58.13
